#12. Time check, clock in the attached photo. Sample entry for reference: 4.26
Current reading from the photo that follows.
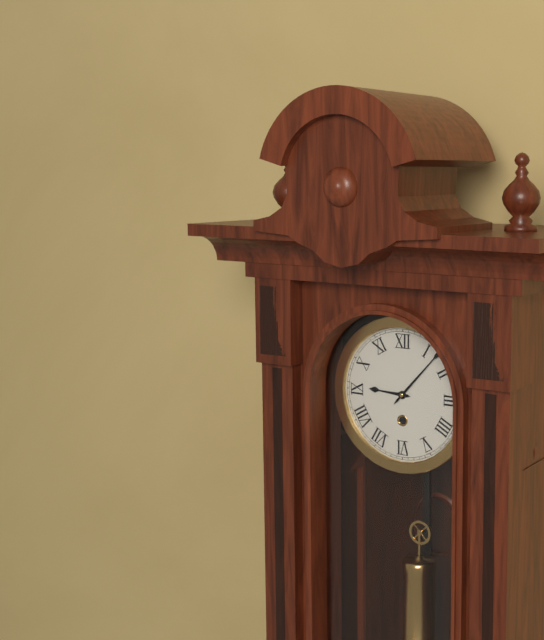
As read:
9.07
